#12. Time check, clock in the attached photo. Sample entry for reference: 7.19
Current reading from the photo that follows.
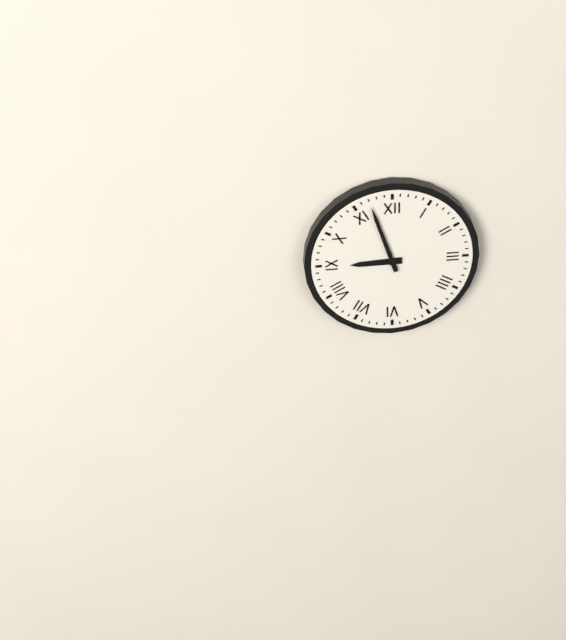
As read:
8.57
